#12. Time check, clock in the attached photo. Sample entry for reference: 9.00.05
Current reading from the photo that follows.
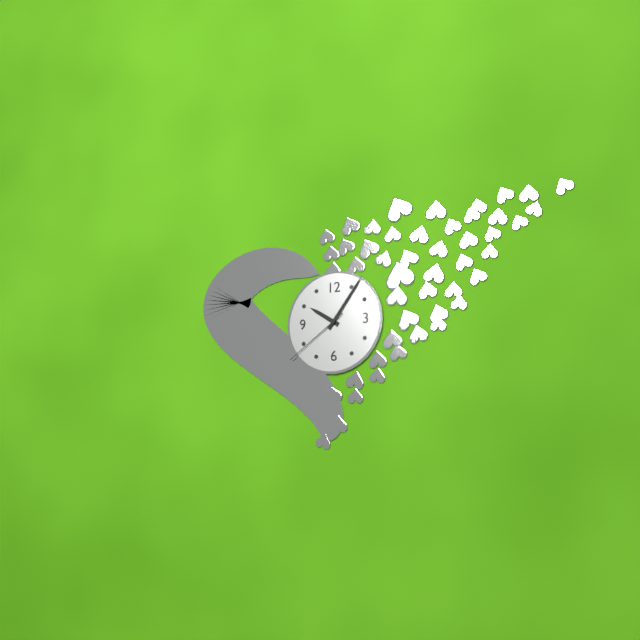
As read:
10.06.39
